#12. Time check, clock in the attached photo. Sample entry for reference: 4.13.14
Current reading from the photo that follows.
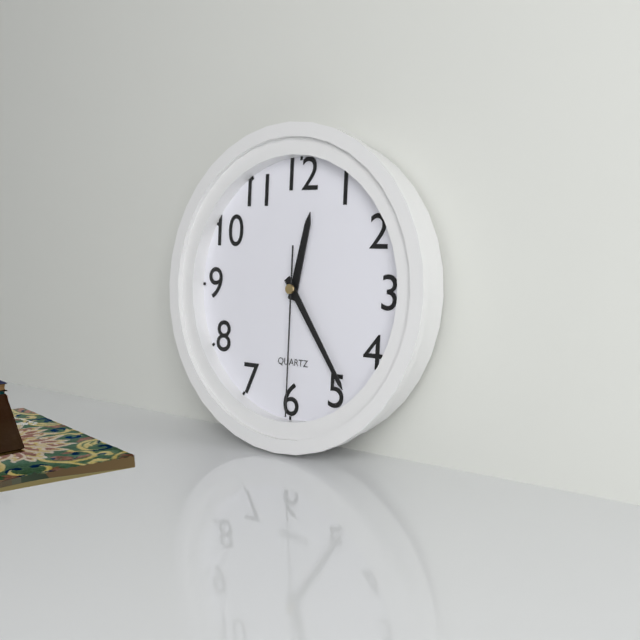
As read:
12.24.30
